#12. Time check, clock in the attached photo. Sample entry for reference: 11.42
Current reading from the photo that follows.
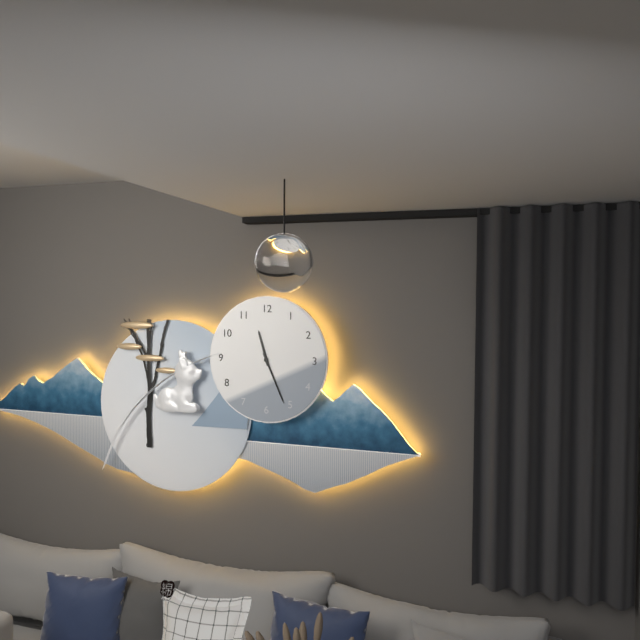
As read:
11.26
